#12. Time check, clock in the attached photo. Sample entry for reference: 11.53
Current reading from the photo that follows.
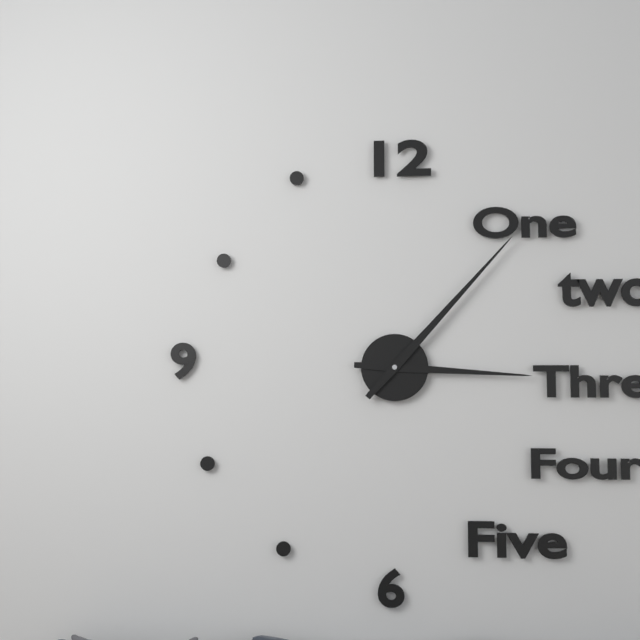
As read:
3.07
